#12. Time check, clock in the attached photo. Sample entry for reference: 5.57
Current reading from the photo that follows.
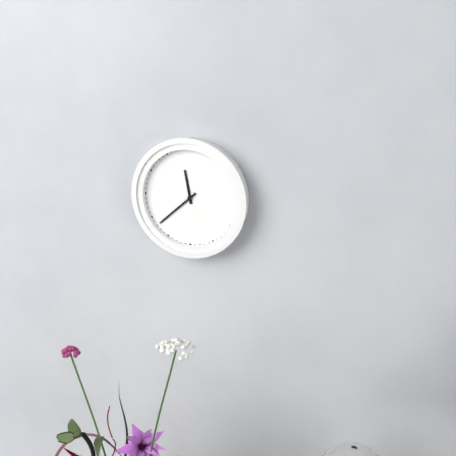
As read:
11.38
